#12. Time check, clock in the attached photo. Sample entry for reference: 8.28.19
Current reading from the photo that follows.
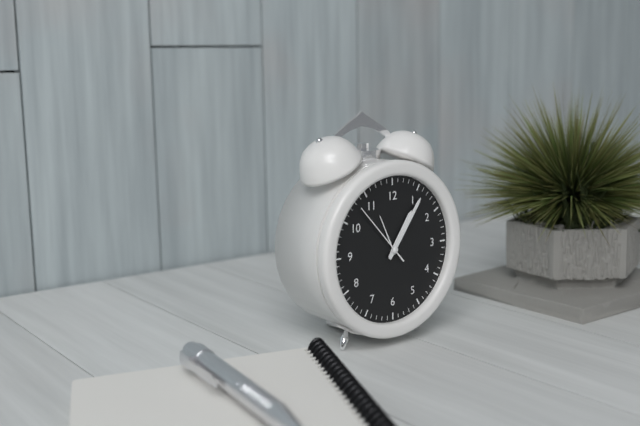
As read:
1.06.53
